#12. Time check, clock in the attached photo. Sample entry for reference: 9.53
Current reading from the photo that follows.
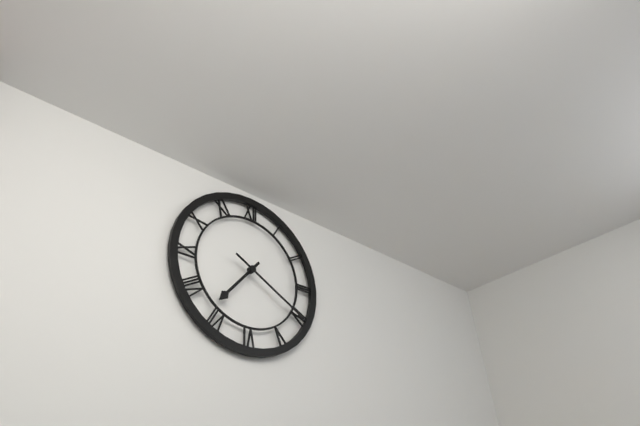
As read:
7.20
